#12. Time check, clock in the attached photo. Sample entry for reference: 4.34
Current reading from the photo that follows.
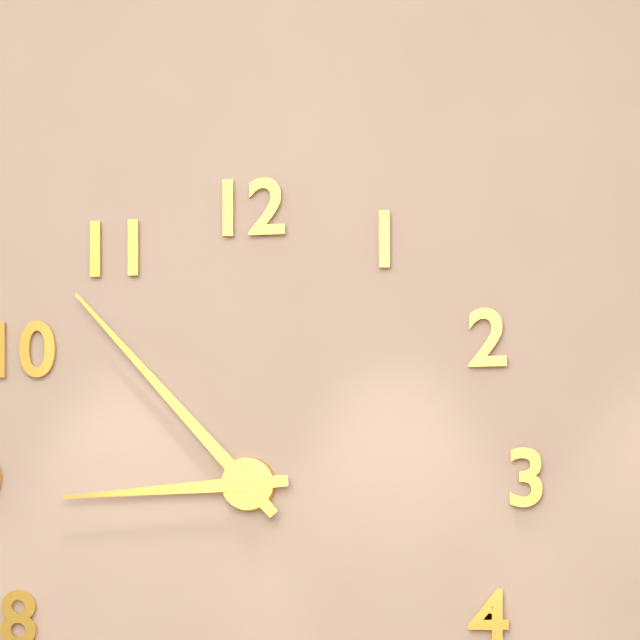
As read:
8.53
